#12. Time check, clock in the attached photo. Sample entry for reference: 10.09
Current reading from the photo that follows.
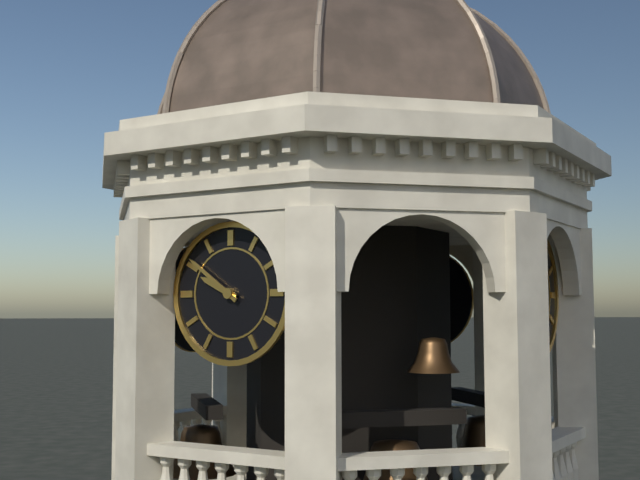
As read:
9.51
